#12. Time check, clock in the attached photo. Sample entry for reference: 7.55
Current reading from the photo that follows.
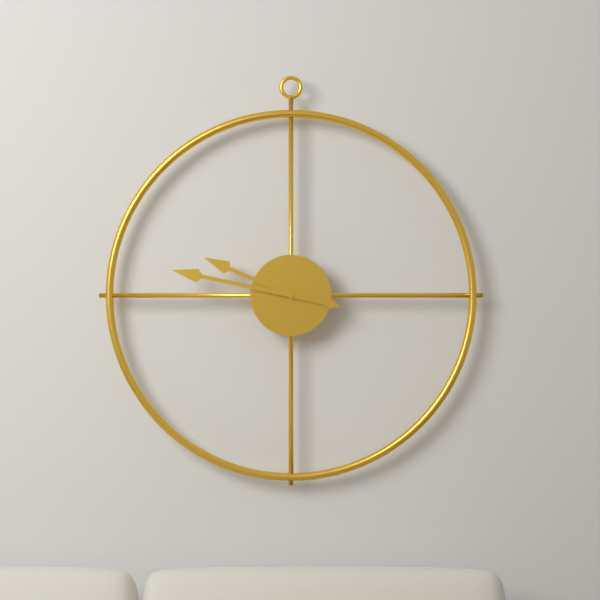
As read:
9.47
